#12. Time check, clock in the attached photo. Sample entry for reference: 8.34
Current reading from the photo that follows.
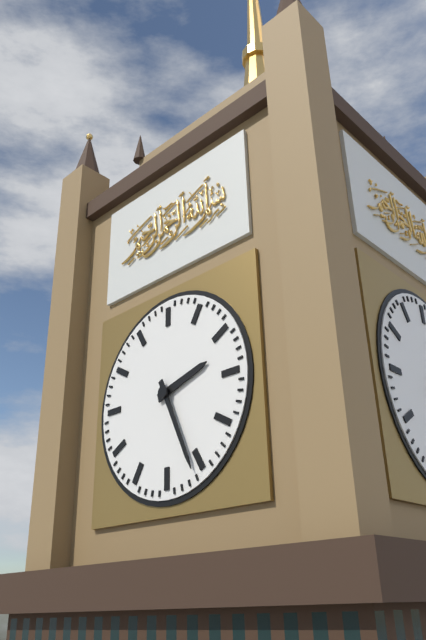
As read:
2.26
